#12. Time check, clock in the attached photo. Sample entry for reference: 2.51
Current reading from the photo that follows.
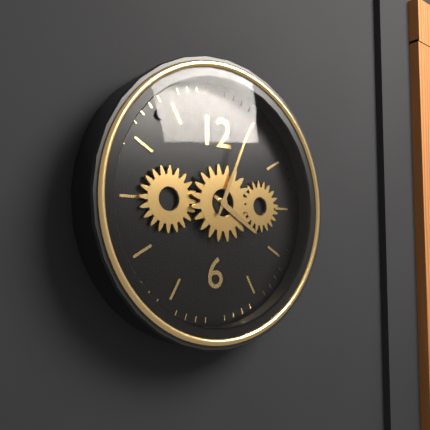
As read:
4.04
